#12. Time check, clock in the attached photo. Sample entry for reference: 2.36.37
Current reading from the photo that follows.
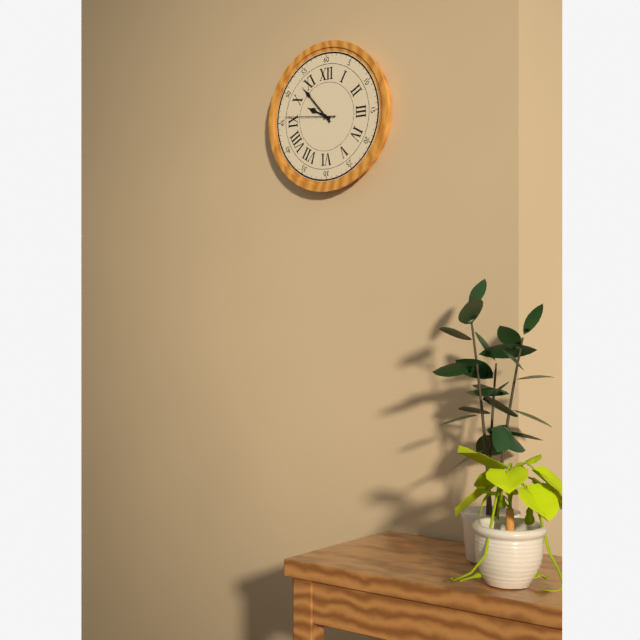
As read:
9.53.46
